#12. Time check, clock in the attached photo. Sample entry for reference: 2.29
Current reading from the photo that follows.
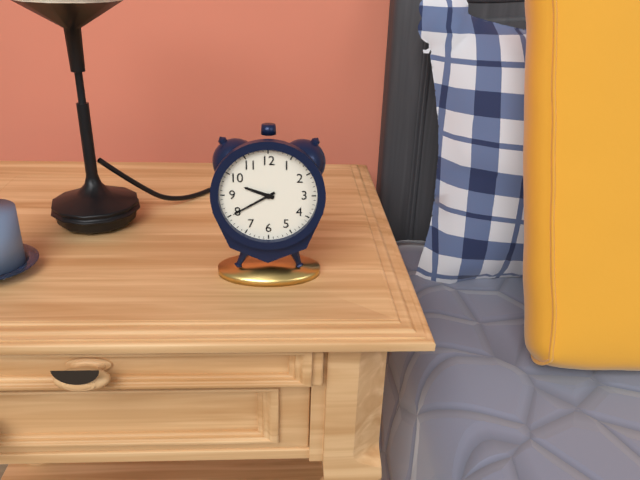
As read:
9.40
